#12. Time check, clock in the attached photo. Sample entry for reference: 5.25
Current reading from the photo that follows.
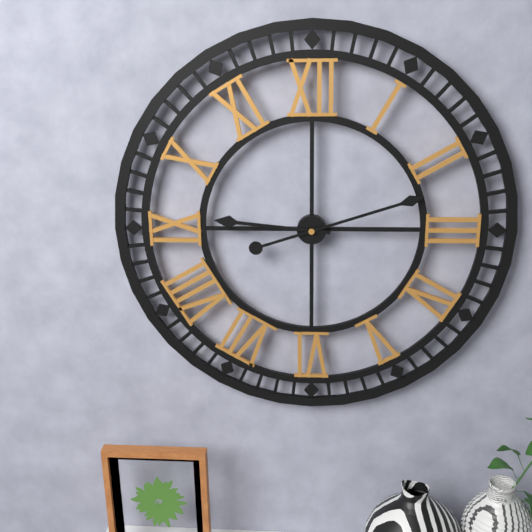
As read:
9.12
